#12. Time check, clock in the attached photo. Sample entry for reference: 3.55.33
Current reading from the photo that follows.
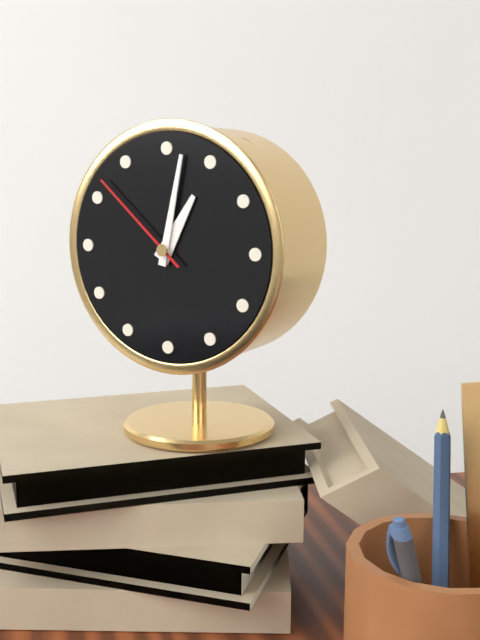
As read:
1.02.52
